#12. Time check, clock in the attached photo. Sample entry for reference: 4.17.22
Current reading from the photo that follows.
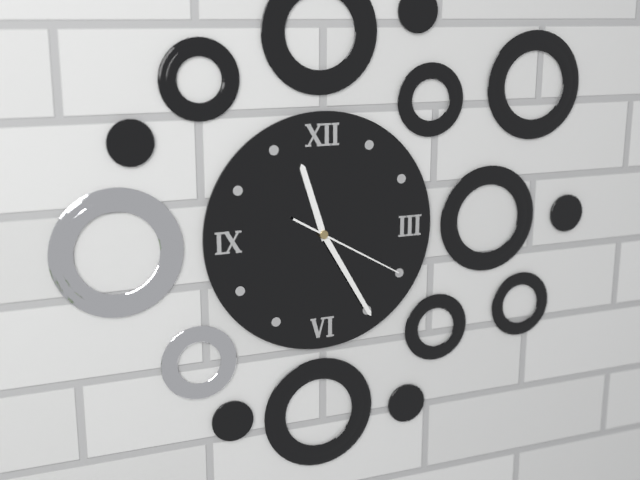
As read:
11.25.20
